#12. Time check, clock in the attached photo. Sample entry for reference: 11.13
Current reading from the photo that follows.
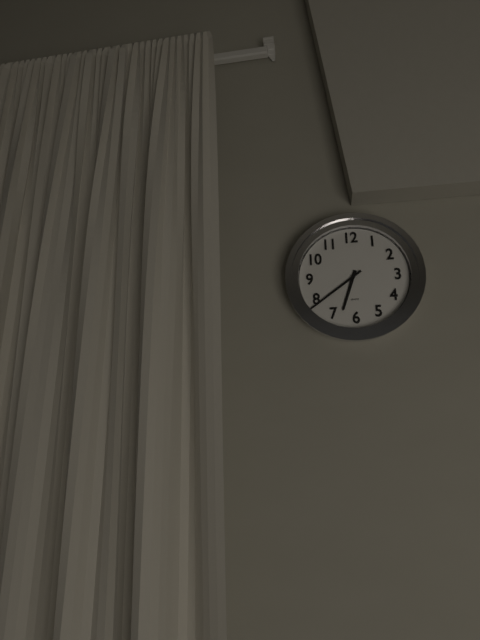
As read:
6.39
